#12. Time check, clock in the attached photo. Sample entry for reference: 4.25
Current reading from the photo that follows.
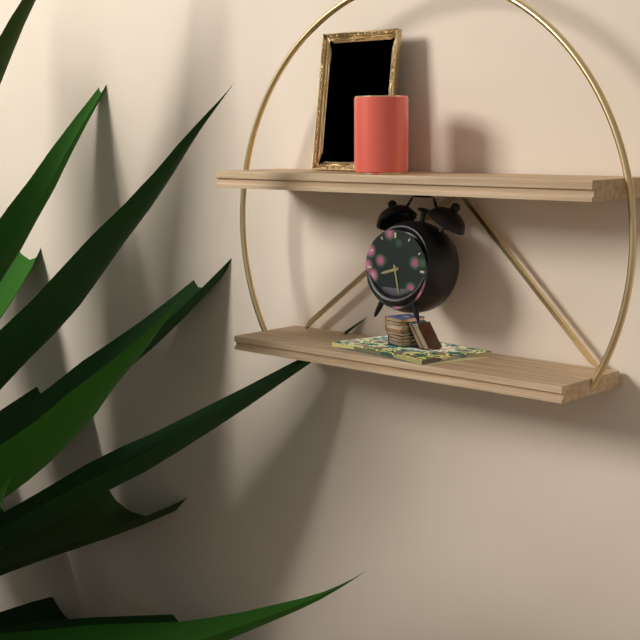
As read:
8.28
